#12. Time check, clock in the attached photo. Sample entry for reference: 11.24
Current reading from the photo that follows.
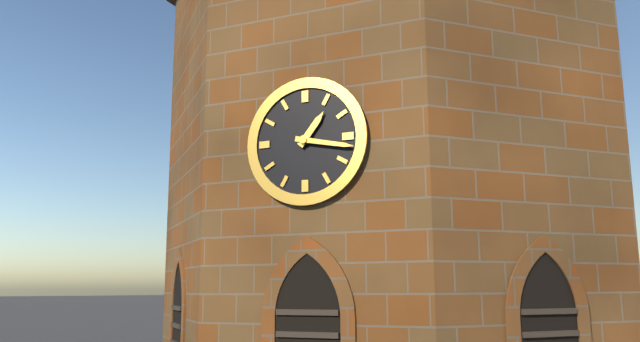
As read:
1.17
